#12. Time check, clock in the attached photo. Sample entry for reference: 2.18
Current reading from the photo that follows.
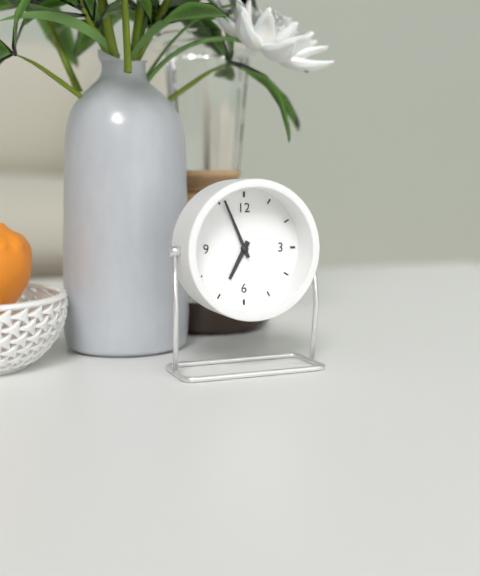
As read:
6.56
